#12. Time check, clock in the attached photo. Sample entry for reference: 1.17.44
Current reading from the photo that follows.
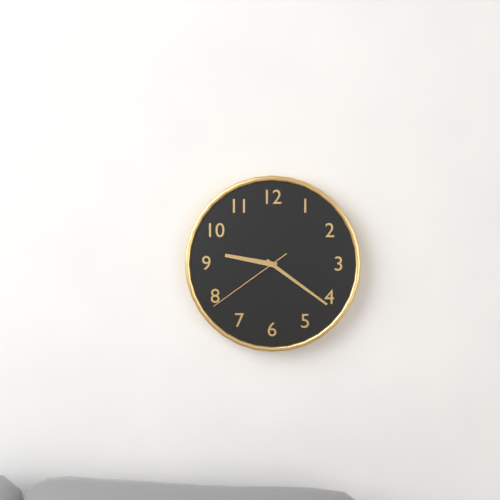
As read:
9.21.39
